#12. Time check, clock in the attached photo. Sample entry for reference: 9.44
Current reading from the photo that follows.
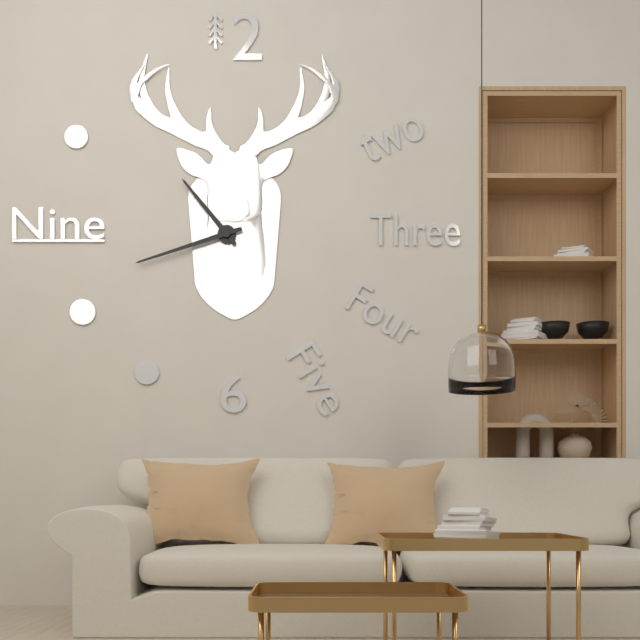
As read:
10.42
